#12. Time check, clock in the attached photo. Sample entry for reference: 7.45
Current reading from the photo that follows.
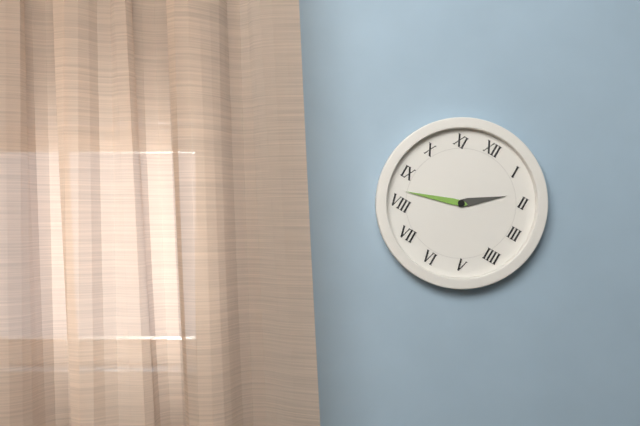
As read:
1.42
